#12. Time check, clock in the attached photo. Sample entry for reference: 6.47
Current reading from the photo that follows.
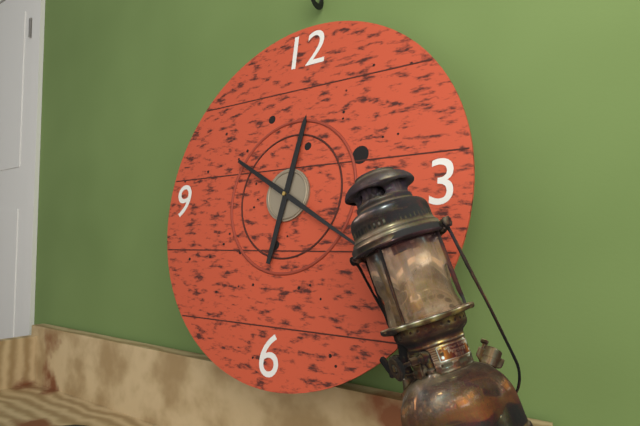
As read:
12.20
